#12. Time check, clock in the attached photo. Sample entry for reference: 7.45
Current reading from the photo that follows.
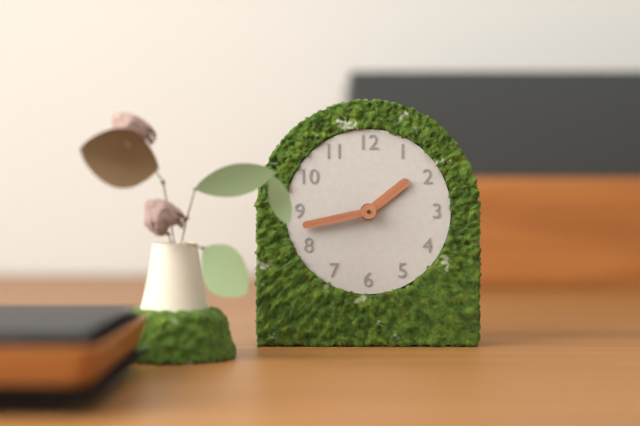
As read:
1.43
